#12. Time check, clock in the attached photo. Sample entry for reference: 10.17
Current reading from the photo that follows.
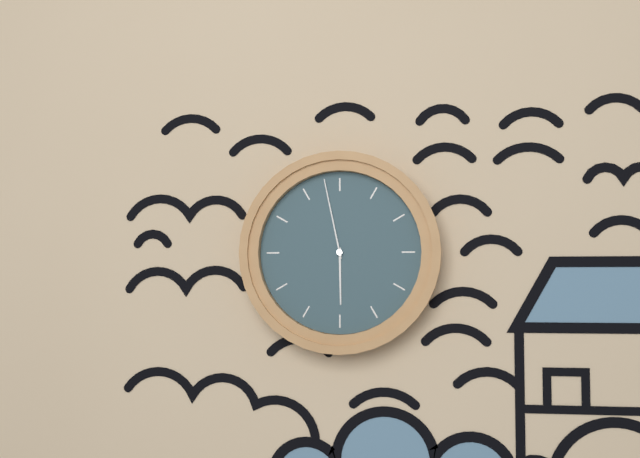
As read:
5.58
